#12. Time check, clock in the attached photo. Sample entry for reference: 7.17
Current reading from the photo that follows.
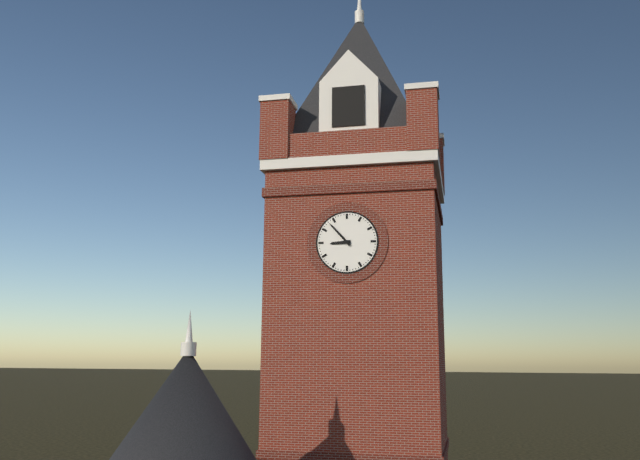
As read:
8.53
